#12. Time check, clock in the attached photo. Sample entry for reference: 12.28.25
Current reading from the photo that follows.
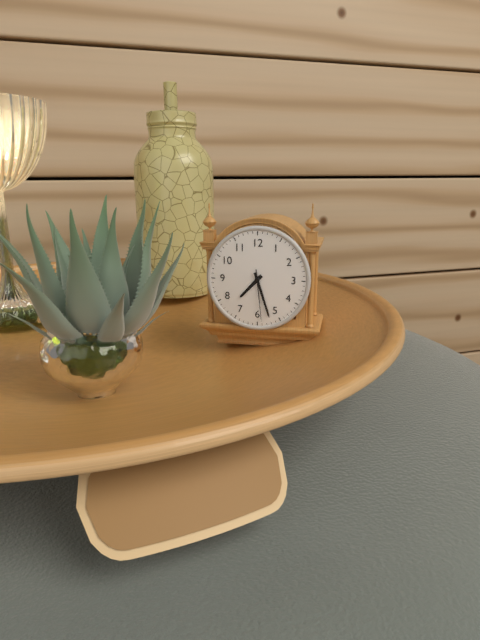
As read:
7.27.29
